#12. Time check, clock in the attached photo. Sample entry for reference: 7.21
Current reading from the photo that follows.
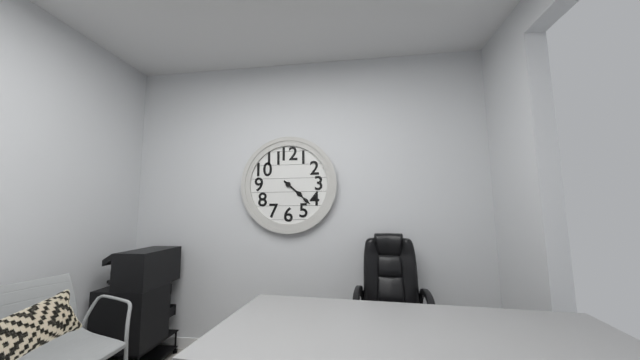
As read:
4.22
